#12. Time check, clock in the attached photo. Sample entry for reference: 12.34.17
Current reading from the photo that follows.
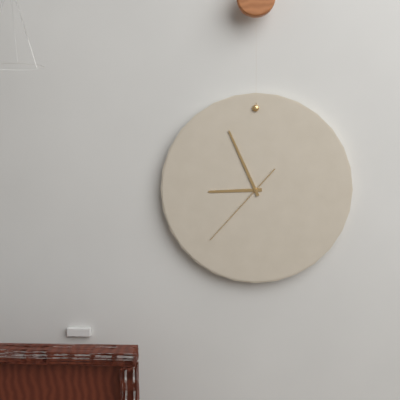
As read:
8.56.37
